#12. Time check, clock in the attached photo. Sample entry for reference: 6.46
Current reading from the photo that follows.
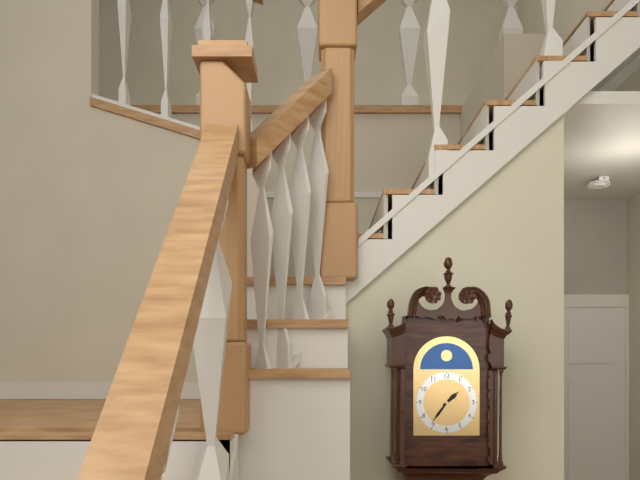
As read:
1.36
